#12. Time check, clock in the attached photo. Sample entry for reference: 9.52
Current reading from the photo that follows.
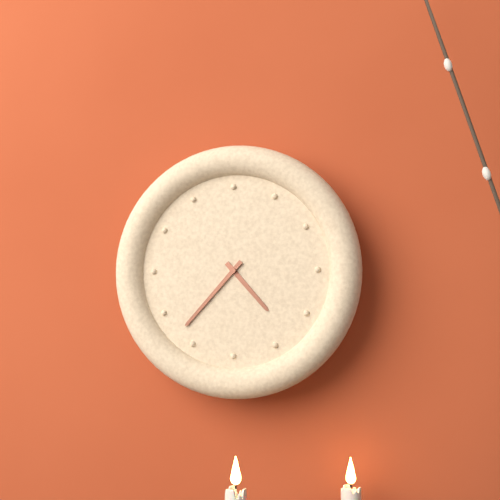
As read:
4.37
